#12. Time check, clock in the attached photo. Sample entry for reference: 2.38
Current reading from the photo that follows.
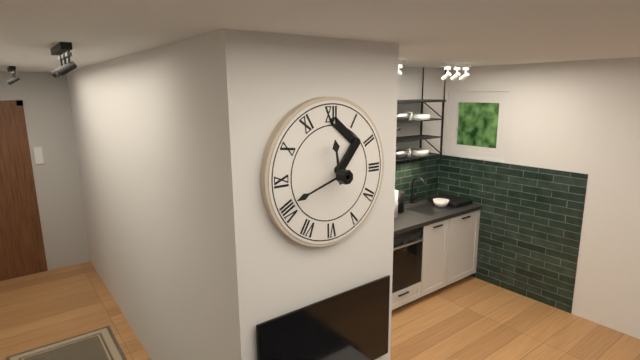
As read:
11.42
